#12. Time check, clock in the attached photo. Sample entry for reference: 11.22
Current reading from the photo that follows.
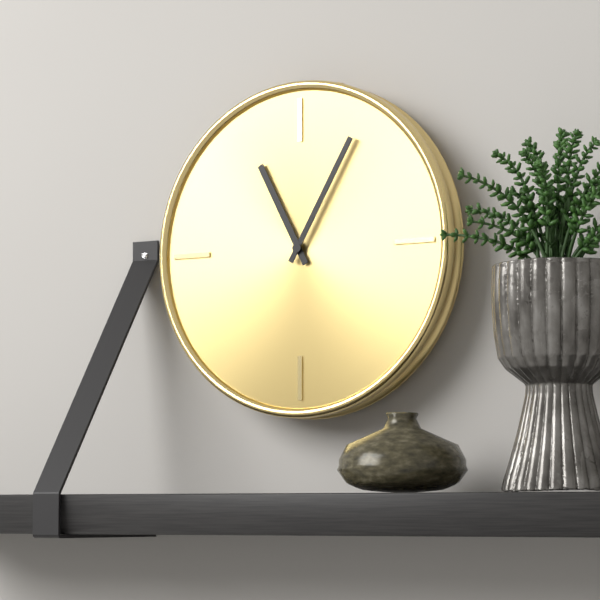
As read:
11.05
